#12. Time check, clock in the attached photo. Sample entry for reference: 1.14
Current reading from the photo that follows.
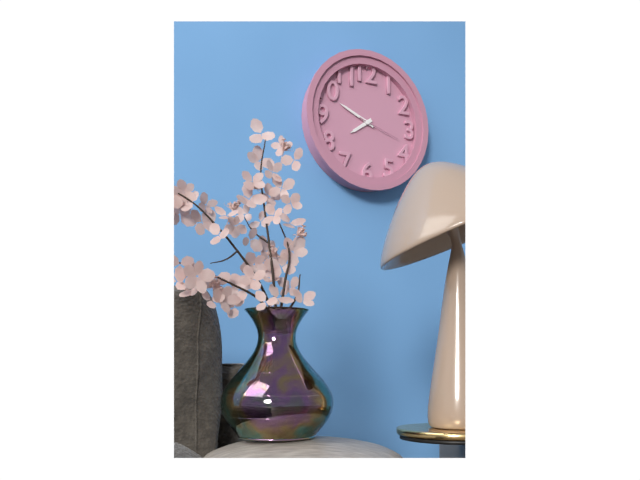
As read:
7.49
